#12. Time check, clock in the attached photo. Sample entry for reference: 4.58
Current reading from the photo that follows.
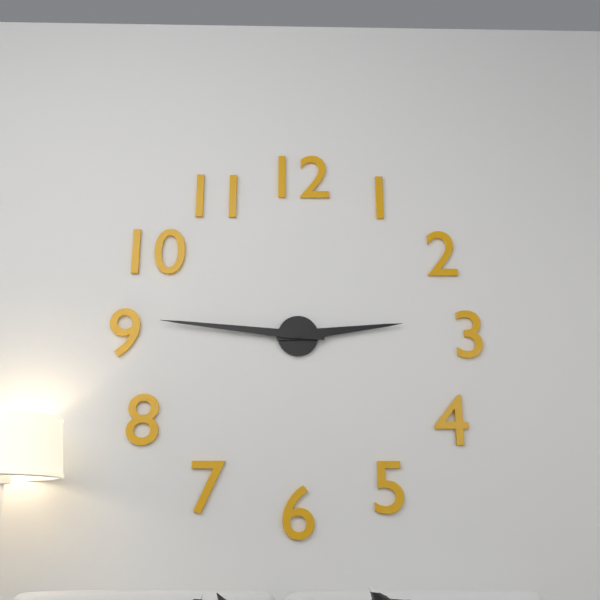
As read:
2.46
